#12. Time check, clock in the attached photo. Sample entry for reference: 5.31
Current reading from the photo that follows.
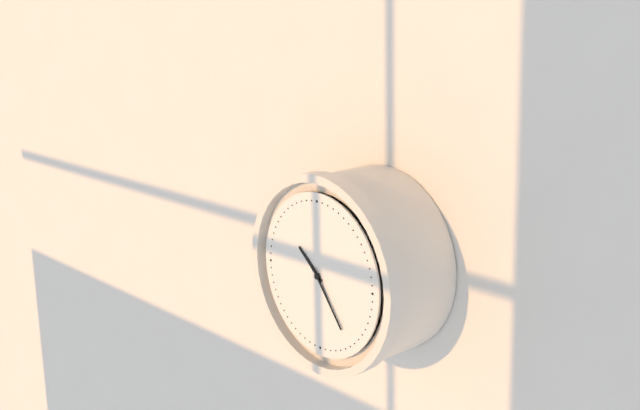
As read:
10.24
